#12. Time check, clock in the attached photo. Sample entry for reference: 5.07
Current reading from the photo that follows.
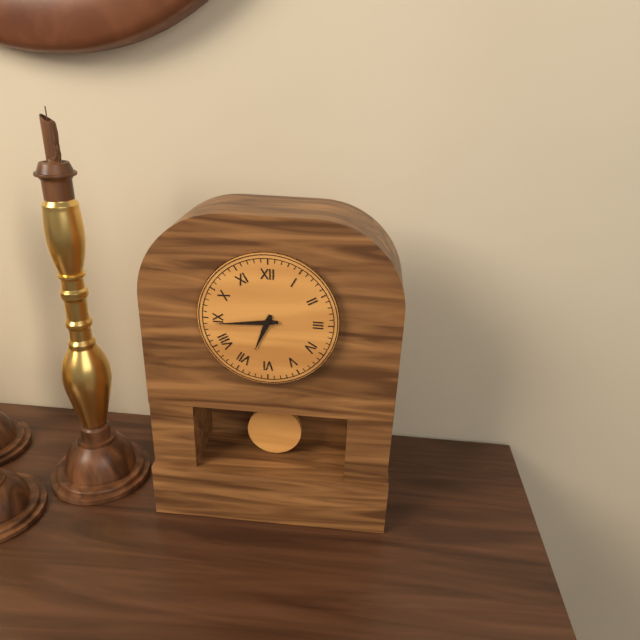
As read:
6.44
